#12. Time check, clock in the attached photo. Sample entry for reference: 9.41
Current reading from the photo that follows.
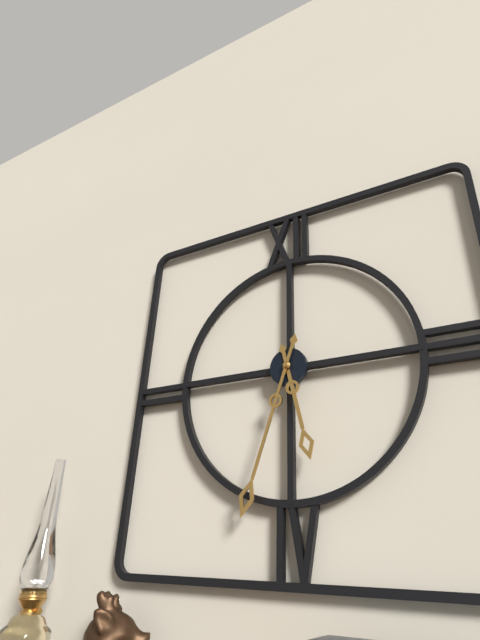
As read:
5.33
